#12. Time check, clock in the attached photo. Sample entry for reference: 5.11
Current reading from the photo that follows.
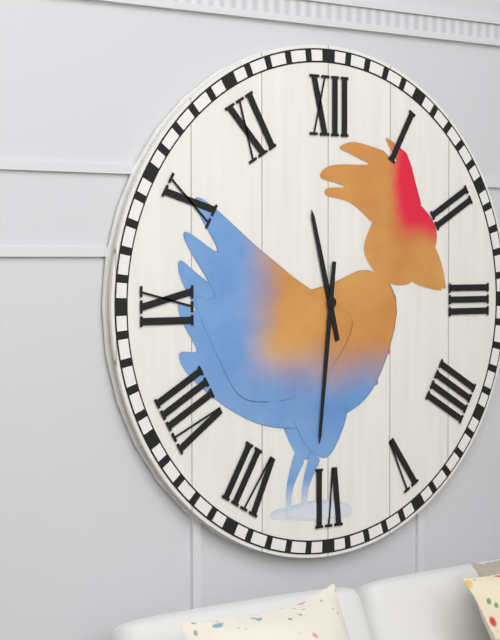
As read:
11.31
